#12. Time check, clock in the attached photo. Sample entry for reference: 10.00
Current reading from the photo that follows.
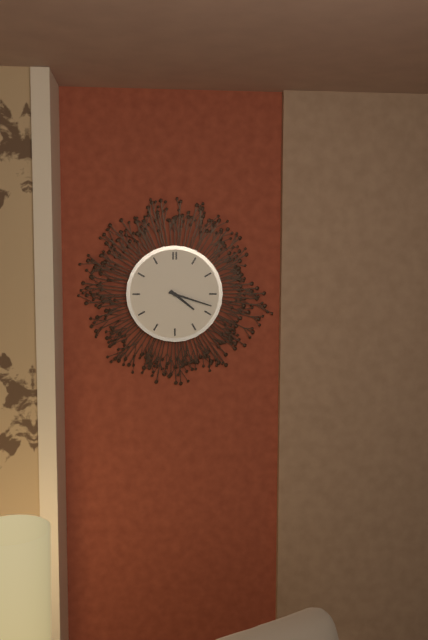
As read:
4.18
